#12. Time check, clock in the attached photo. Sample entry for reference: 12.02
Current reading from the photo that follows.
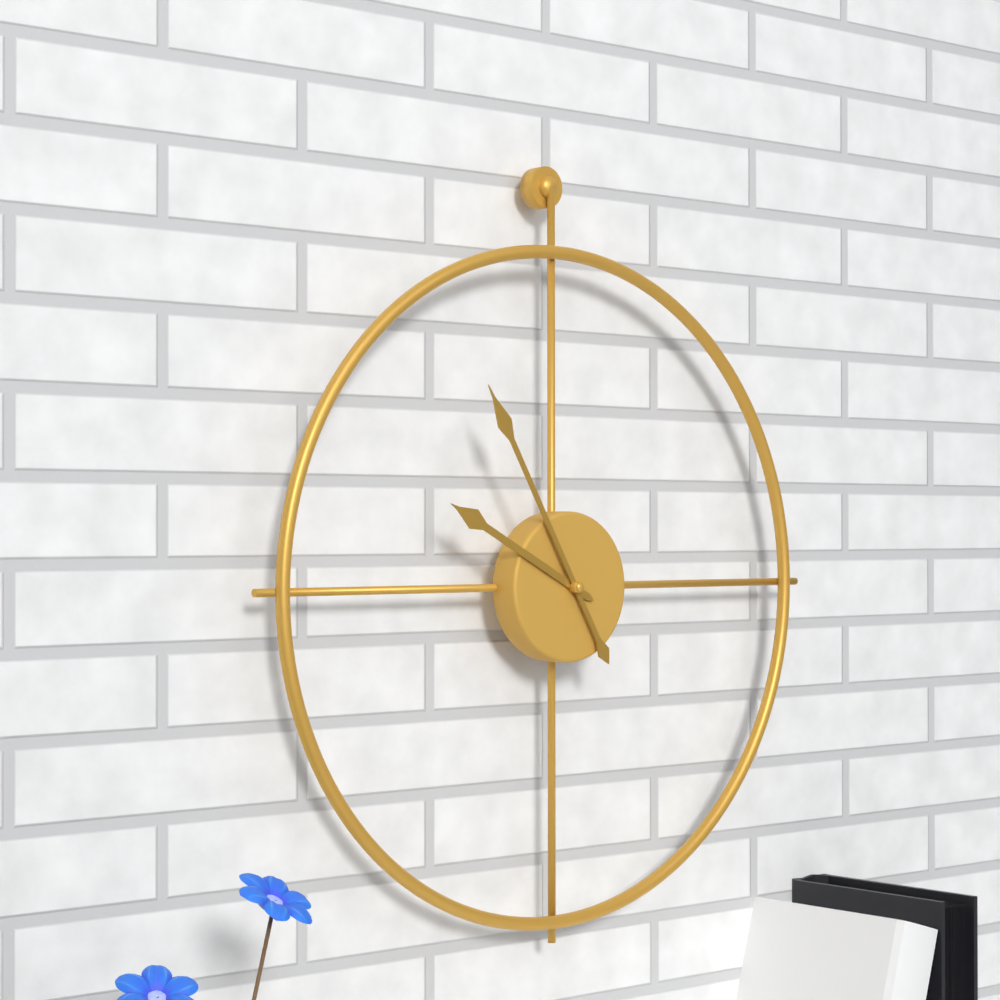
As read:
9.55
